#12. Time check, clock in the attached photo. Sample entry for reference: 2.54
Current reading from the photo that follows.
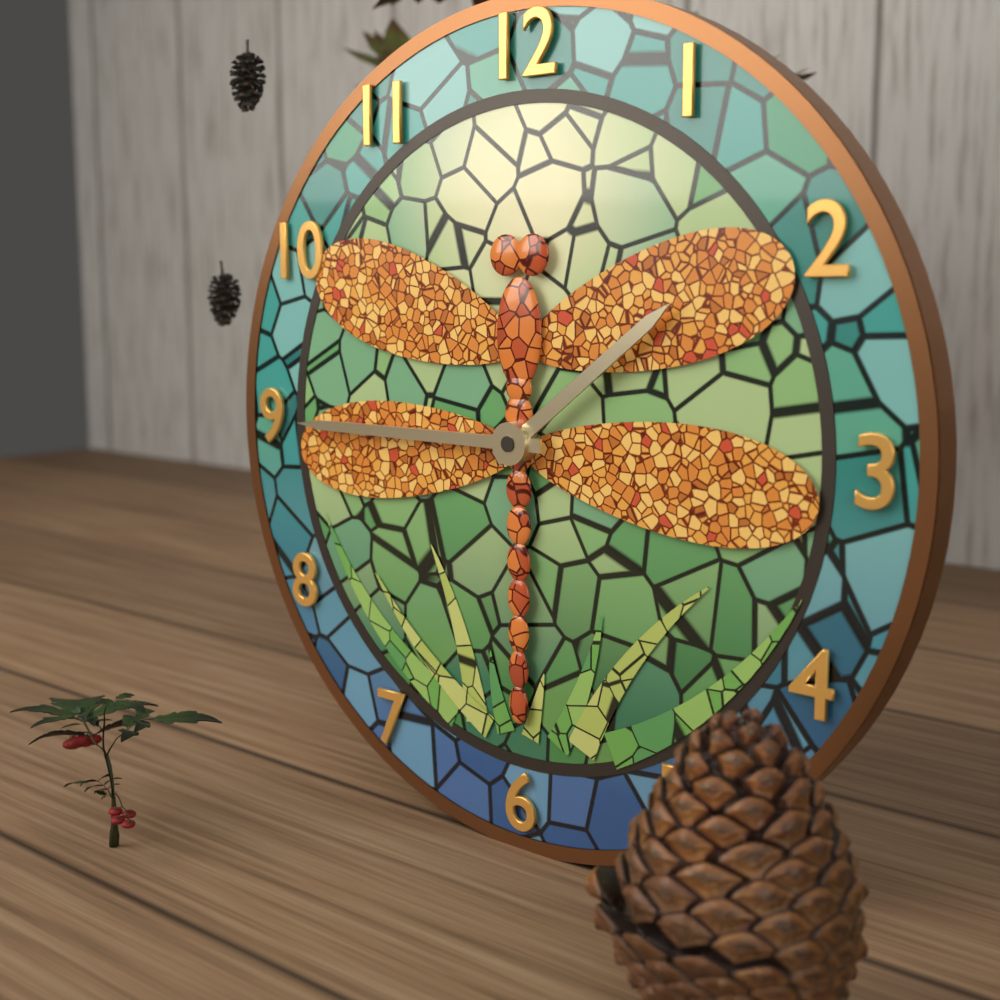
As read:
1.45
